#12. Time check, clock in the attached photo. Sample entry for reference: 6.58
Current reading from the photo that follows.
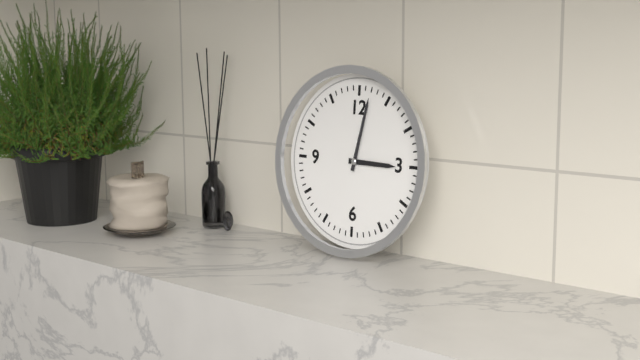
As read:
3.02
